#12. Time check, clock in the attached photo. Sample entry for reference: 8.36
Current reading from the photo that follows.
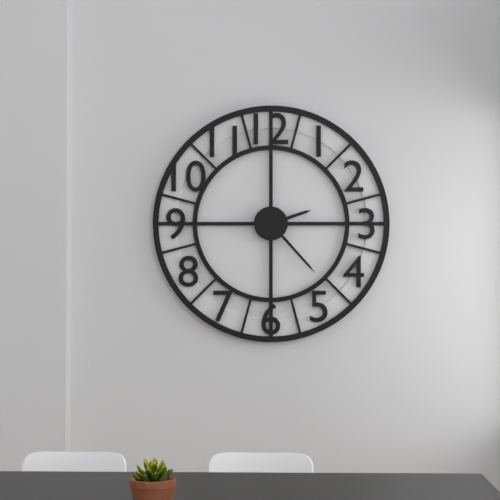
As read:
2.23
